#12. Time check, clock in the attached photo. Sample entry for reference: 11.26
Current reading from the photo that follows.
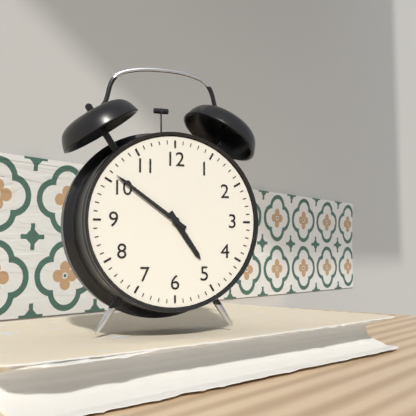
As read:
4.51
